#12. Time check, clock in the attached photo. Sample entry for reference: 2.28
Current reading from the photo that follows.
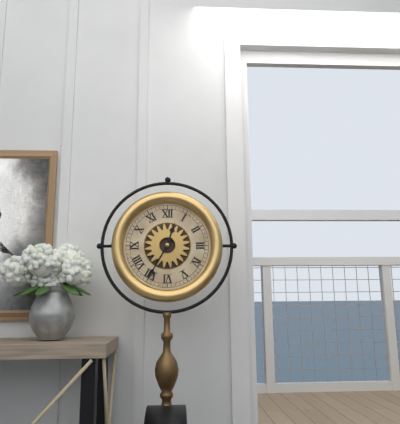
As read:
12.35
